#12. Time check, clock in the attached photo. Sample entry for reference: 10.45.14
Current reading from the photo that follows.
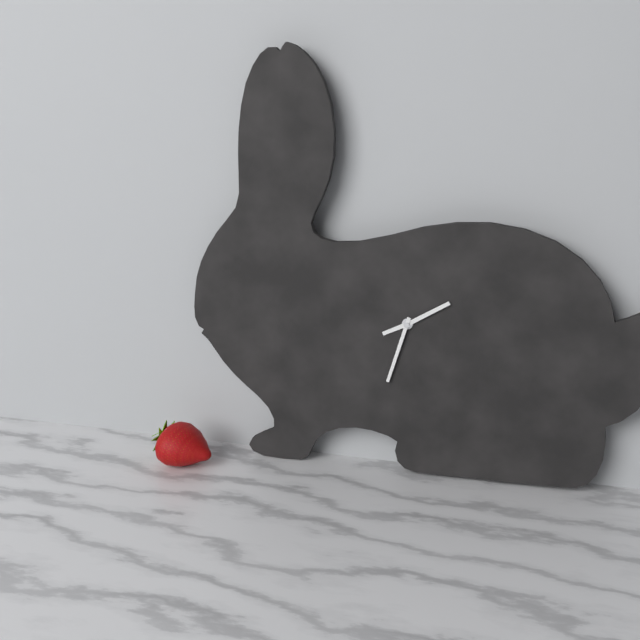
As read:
8.10.33
